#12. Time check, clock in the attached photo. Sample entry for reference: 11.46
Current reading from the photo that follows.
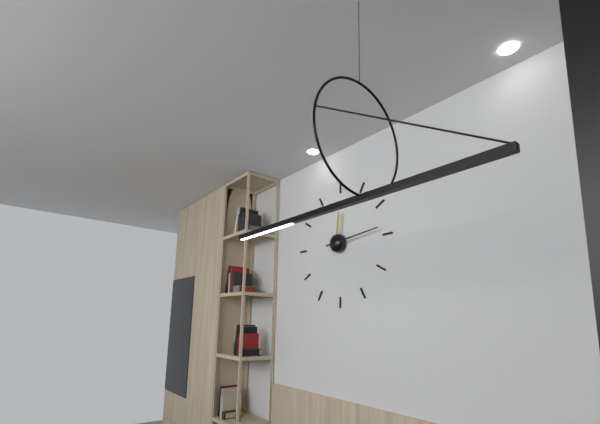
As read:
12.14
